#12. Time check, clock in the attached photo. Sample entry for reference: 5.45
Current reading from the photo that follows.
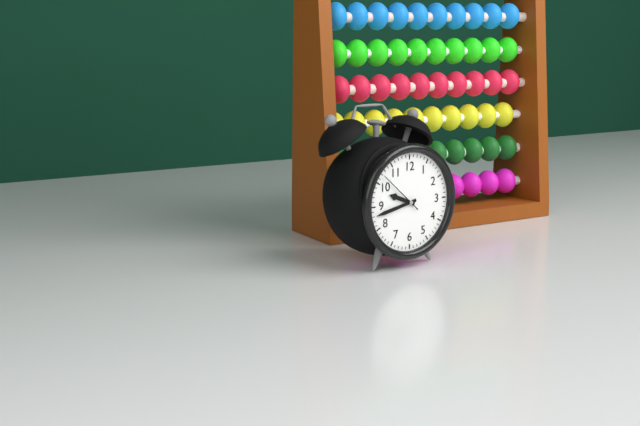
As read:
9.43
